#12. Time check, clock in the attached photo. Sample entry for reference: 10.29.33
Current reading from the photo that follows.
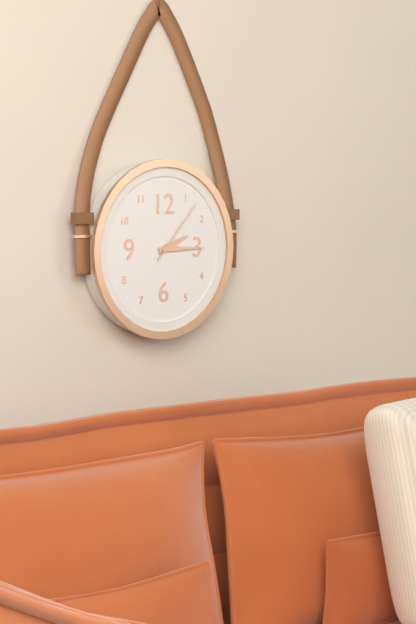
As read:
2.15.07
